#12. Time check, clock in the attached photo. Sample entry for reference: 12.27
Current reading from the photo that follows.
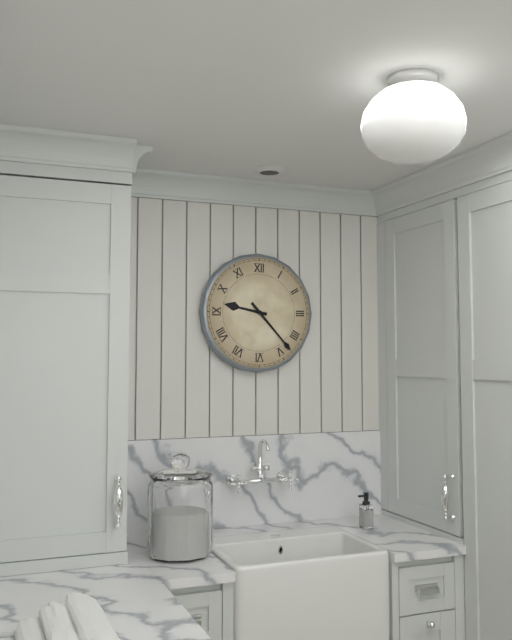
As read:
9.23
